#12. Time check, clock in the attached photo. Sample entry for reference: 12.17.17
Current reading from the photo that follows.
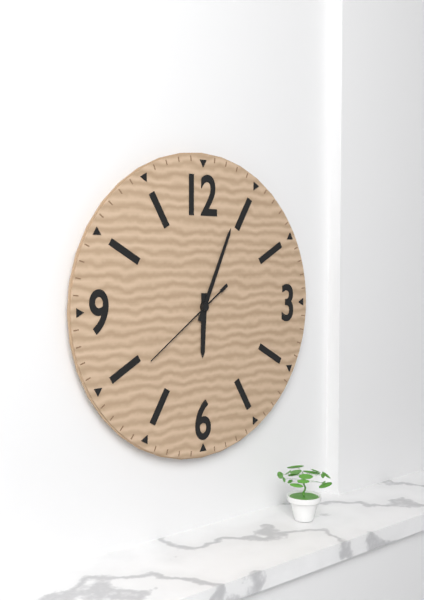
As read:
6.04.39
